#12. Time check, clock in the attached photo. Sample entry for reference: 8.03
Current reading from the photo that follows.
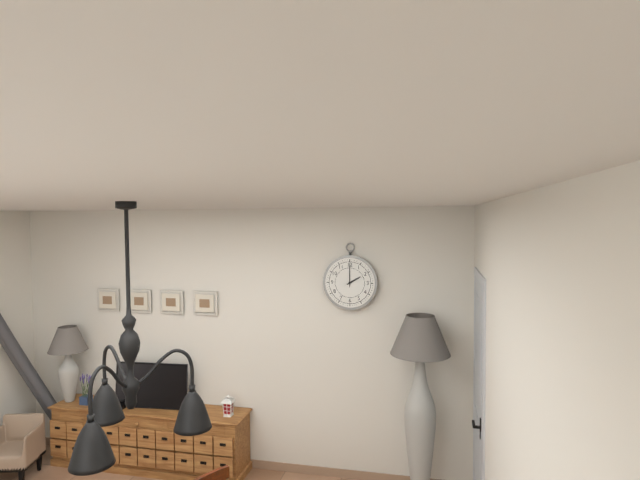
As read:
2.00
